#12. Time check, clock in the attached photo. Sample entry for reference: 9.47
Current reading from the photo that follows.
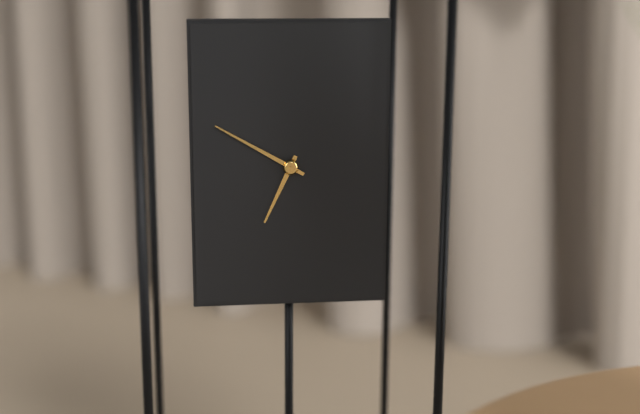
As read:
6.50
